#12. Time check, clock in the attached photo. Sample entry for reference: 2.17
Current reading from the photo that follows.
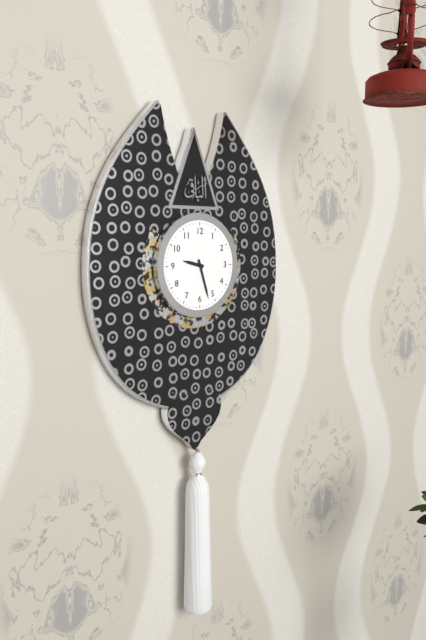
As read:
9.27
